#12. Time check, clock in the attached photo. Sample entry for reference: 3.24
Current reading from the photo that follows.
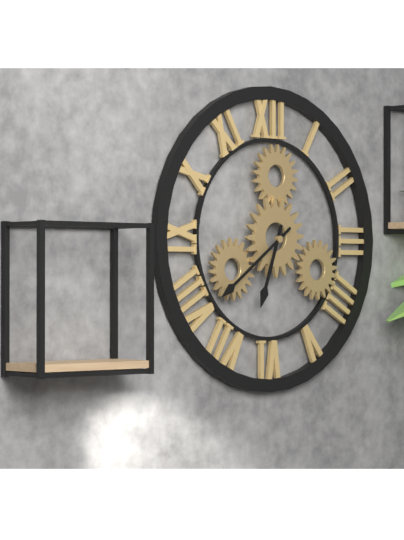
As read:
6.39
